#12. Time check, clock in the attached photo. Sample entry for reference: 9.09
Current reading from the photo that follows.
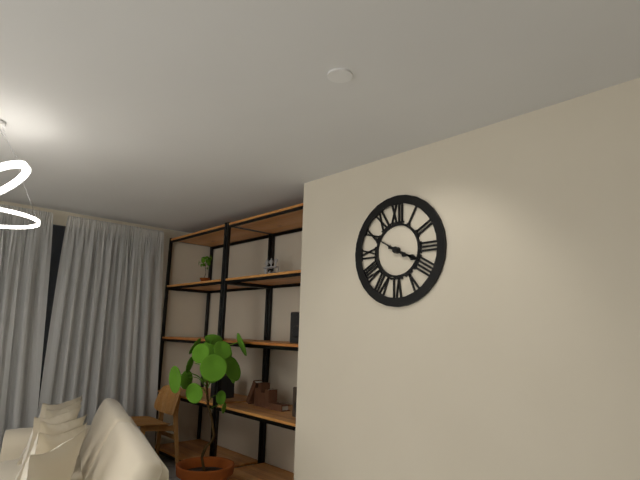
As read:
3.50
